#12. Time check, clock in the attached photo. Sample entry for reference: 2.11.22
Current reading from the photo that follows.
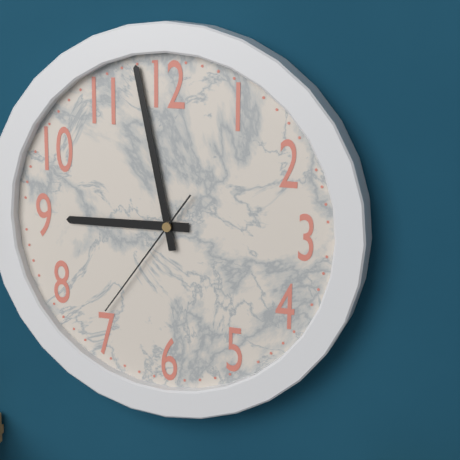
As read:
8.58.36
